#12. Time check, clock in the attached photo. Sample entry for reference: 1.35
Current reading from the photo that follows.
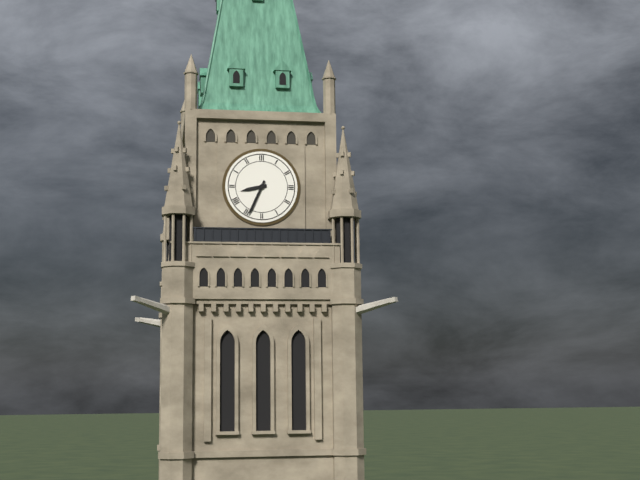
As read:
8.34
